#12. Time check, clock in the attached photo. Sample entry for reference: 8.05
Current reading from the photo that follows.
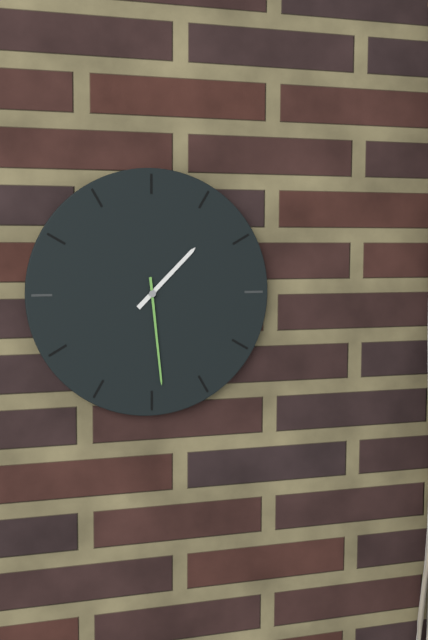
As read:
1.29
